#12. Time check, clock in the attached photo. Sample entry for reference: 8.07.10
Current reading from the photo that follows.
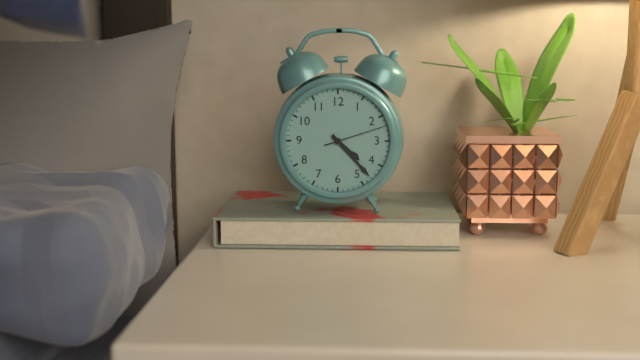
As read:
4.23.12
